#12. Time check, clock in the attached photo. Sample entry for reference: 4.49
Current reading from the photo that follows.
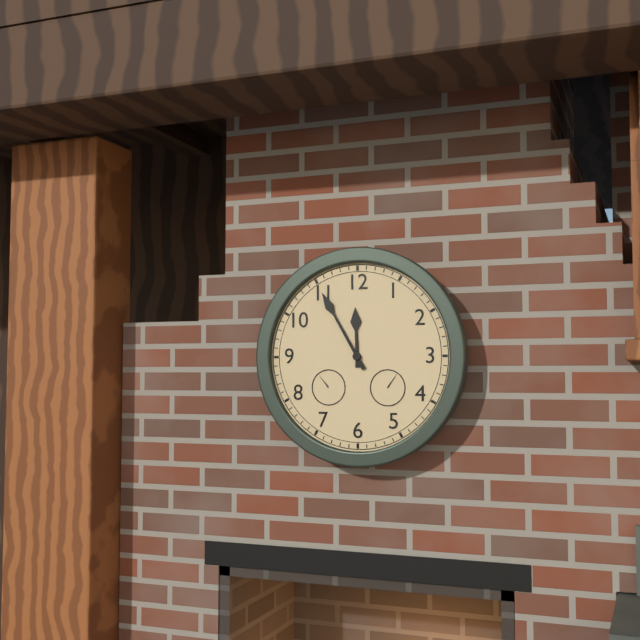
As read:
11.55
